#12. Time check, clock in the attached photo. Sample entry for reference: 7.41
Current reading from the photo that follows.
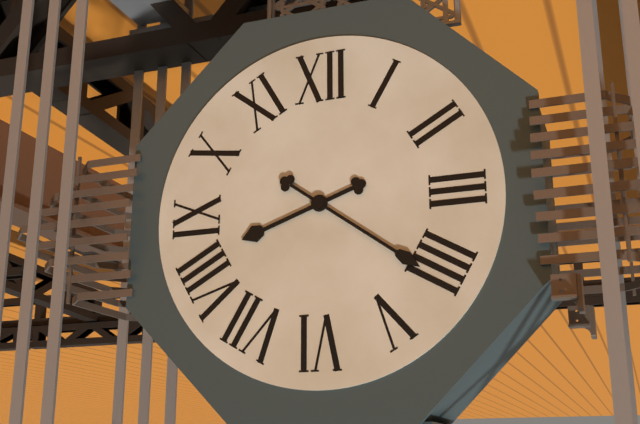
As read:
8.21
